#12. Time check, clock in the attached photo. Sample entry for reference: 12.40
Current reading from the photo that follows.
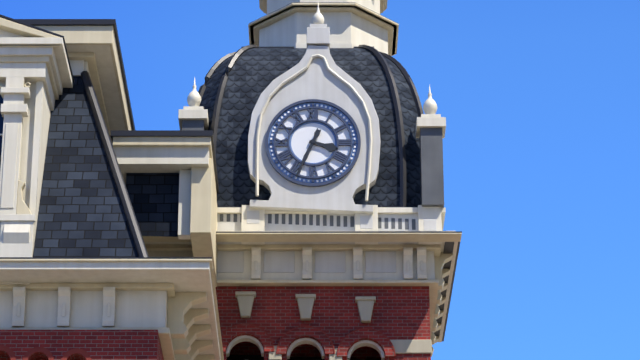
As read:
3.34
